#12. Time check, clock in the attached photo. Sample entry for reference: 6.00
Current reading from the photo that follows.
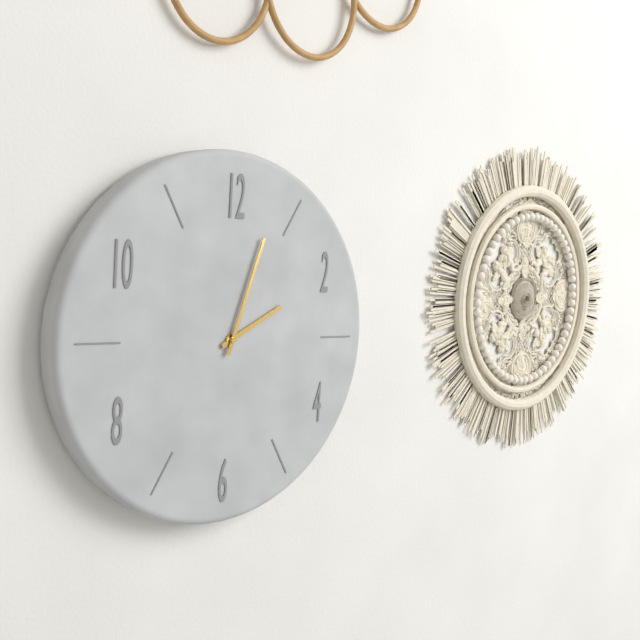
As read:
2.03
